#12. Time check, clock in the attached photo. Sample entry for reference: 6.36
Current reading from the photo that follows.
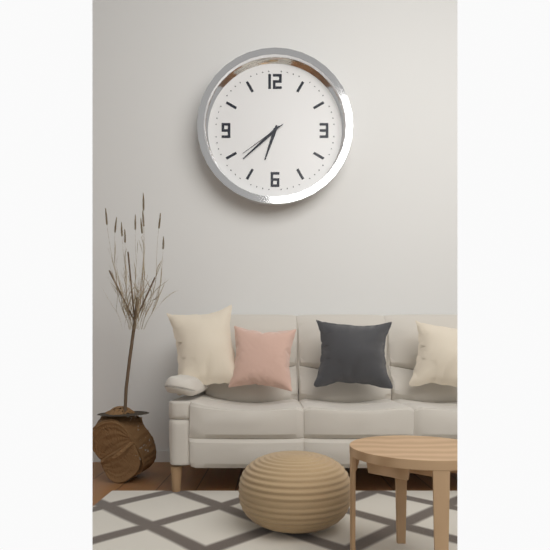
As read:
6.38
